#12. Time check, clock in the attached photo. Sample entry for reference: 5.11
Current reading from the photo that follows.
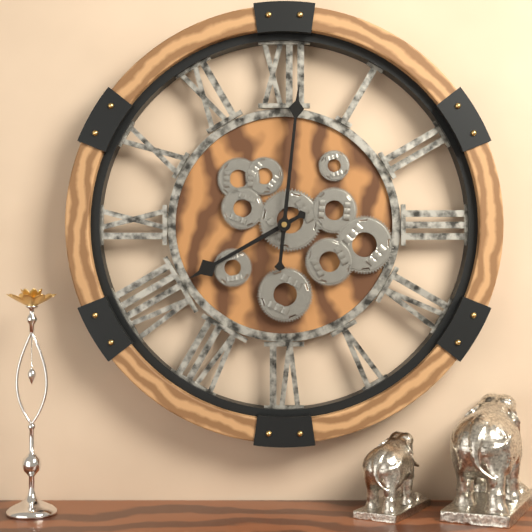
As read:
8.01
